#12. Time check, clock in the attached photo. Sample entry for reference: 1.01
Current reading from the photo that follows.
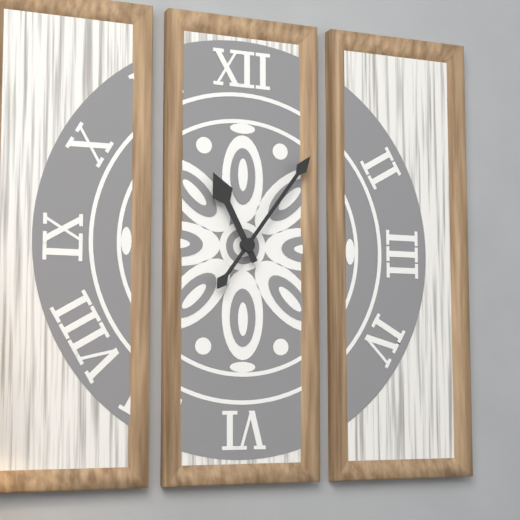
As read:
11.06
